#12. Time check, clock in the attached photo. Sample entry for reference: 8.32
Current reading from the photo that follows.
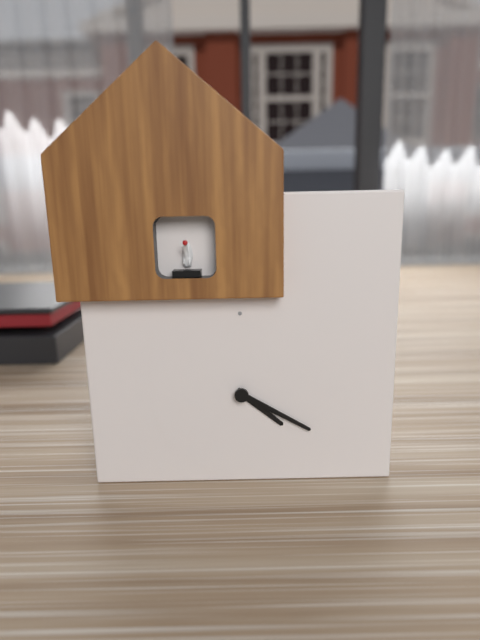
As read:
4.20
